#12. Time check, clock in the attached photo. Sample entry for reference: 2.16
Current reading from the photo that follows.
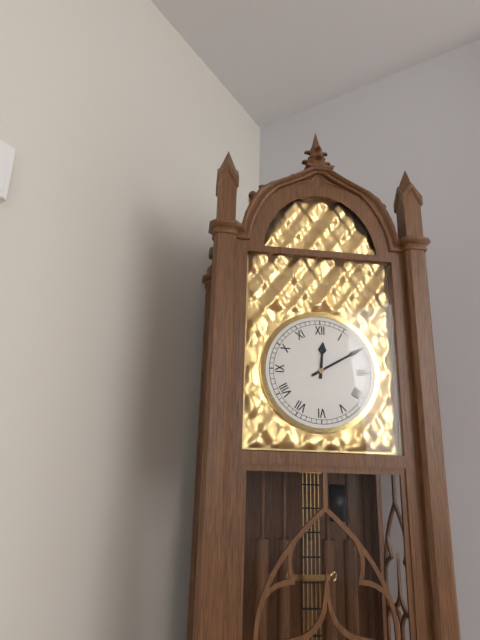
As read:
12.10
